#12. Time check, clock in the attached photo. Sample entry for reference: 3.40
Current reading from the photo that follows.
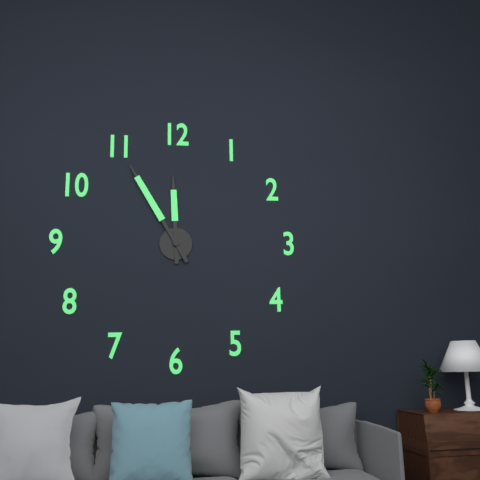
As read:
11.55
